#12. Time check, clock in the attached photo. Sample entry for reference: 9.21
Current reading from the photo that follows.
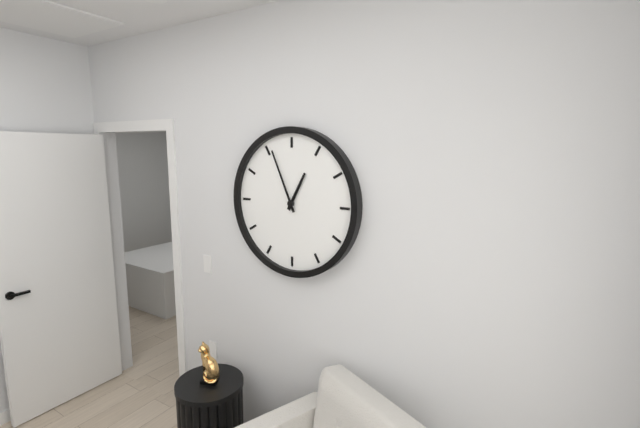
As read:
12.56
